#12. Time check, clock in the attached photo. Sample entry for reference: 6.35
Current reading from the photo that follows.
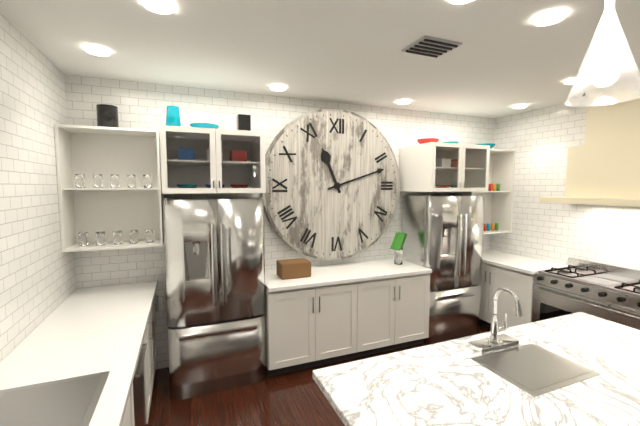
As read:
11.12
